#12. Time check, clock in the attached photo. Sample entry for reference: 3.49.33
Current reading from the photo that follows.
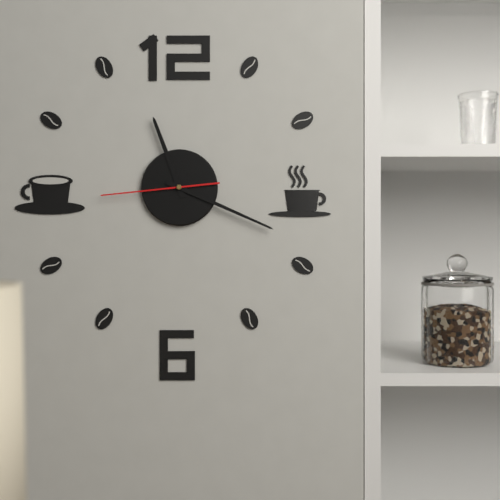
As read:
11.19.44
